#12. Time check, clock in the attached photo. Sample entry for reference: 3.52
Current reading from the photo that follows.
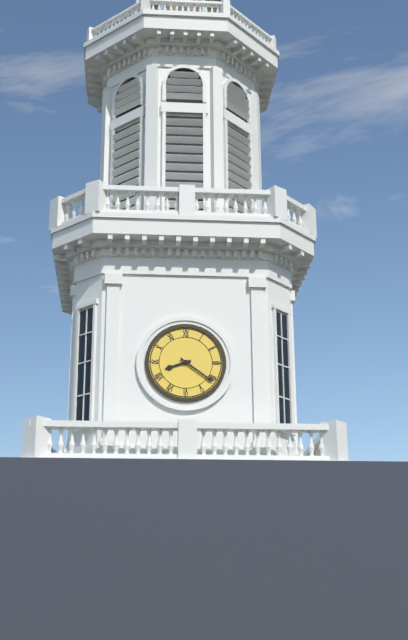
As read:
8.21
